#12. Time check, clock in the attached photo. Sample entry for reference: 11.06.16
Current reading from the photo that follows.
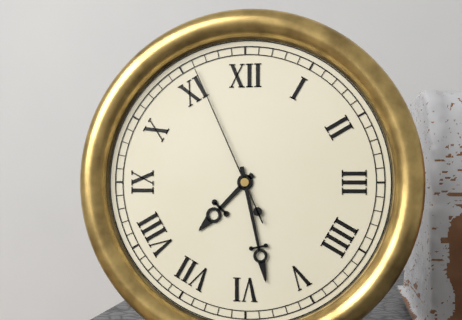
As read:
7.28.56
